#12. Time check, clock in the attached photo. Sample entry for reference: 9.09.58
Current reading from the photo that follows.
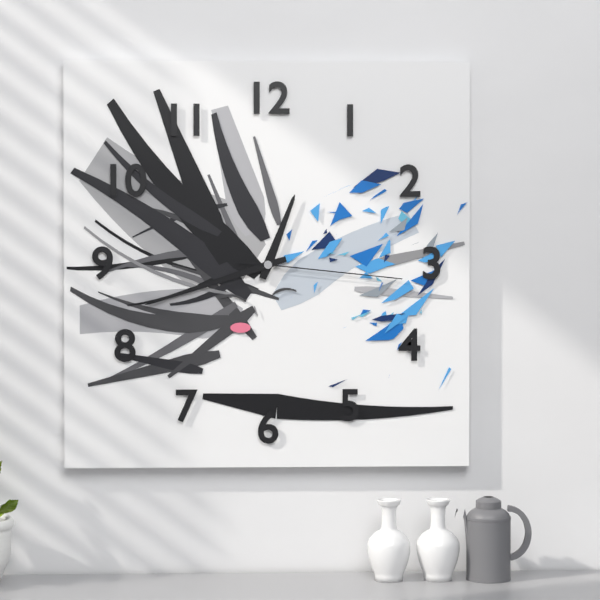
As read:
12.42.16
